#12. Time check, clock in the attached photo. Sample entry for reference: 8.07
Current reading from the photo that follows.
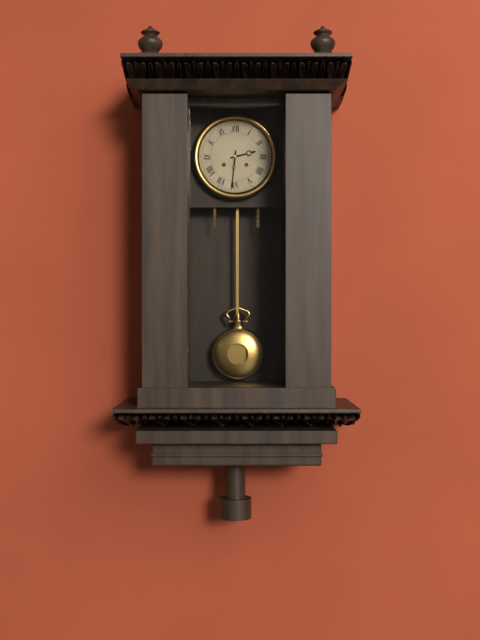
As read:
2.31
